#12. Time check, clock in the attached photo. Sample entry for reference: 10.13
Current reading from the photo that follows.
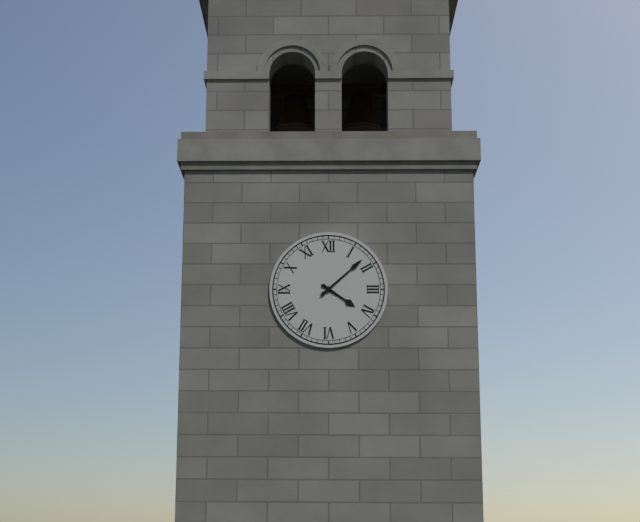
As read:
4.08
